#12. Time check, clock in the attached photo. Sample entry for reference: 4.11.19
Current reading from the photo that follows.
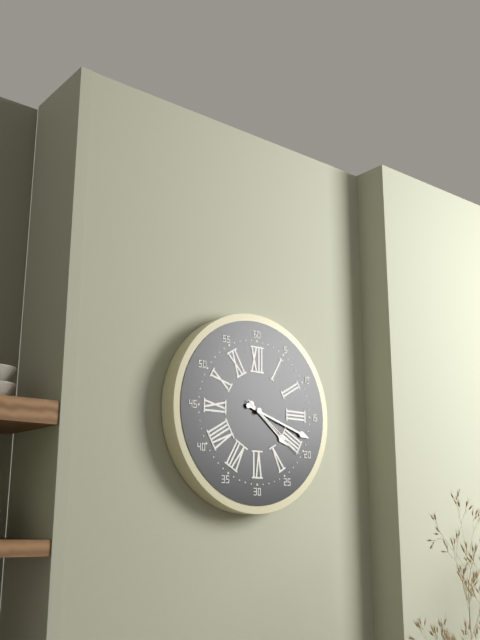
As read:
4.18.21
